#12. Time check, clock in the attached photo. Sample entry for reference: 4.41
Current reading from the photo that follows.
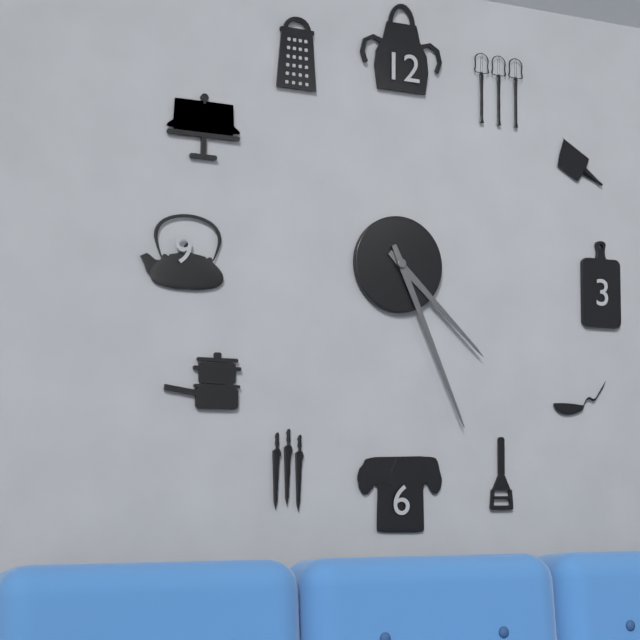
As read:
4.26
